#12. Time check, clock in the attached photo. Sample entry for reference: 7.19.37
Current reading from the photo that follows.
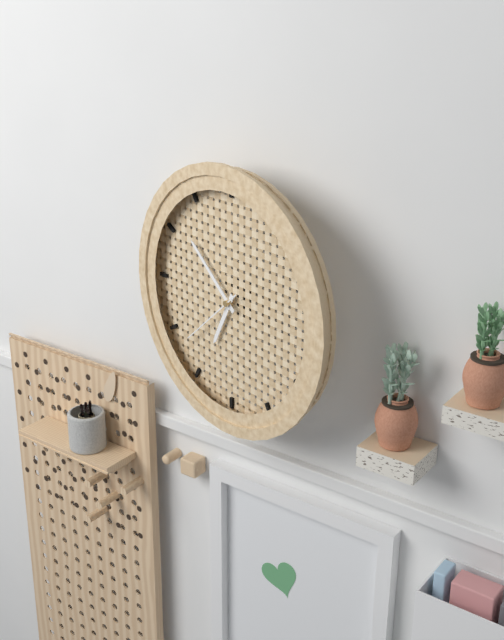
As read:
6.52.38
